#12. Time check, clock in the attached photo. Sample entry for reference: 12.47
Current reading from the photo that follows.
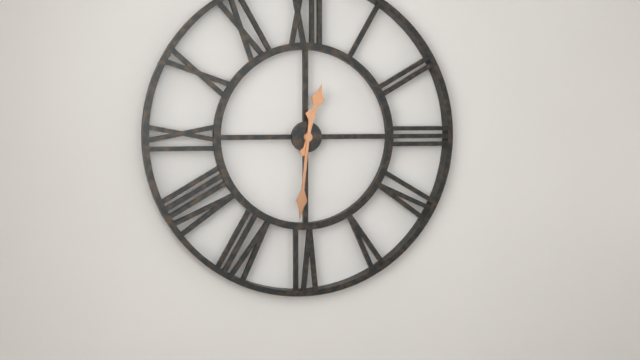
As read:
12.31
